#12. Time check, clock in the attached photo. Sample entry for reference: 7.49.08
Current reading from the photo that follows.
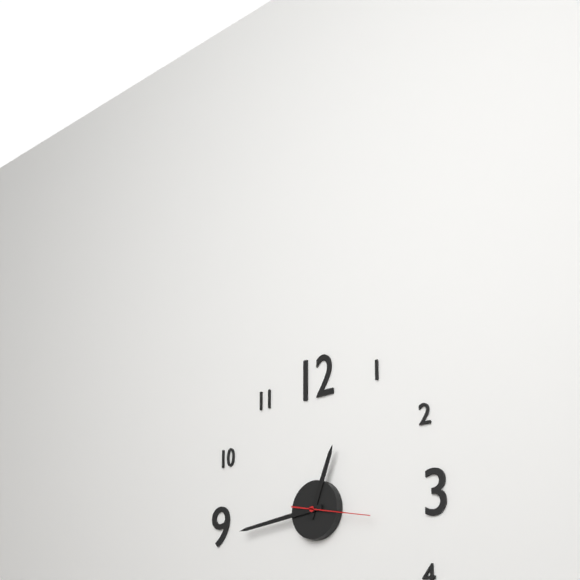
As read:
12.44.17
